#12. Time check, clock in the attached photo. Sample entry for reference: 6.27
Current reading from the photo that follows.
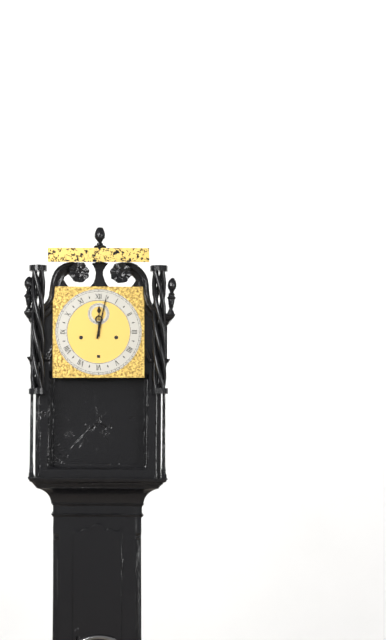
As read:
12.02
